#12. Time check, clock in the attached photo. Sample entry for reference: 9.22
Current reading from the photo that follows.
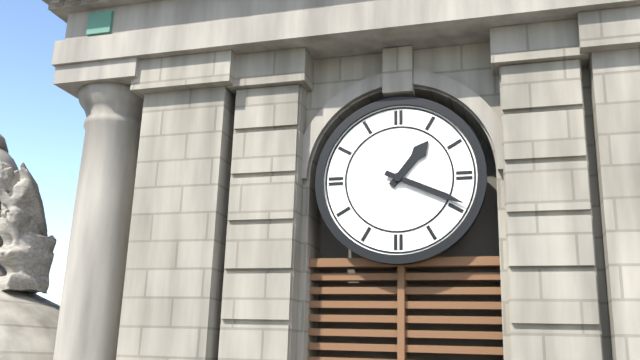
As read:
1.19
